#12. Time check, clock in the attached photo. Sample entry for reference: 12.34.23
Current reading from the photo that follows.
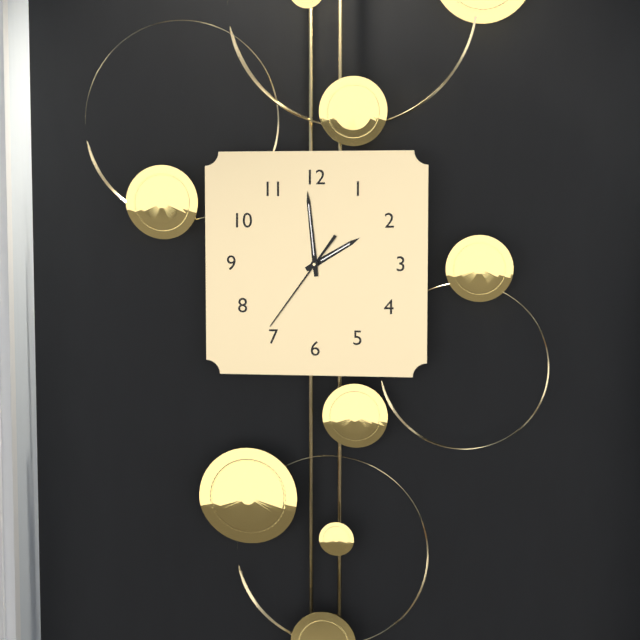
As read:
1.59.36
